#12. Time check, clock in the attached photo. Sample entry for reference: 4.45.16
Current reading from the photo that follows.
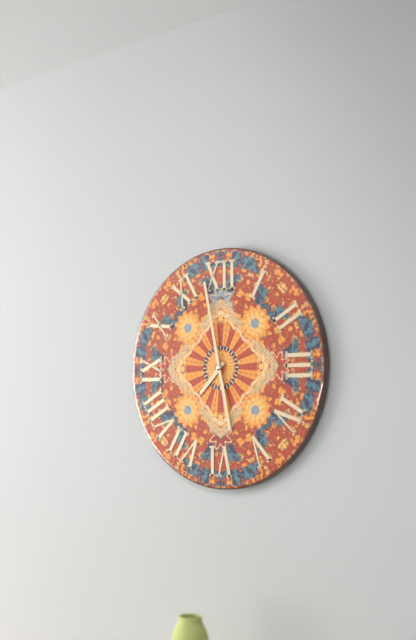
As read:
7.28.58
